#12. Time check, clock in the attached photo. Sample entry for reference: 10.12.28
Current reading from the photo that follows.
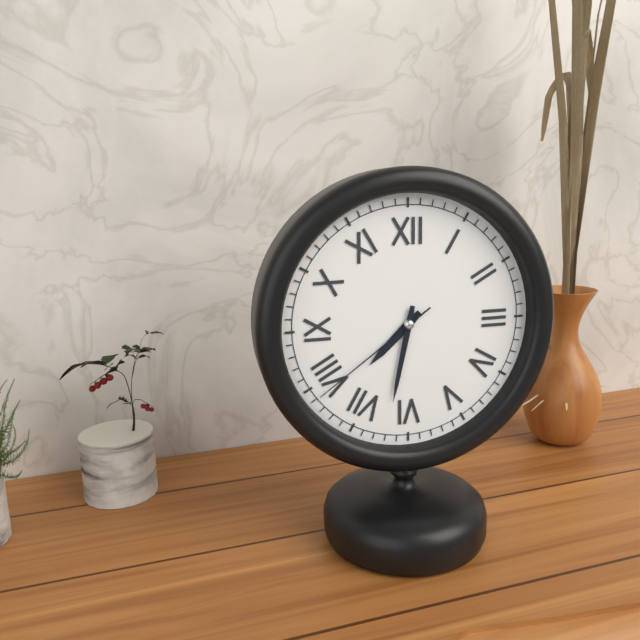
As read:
7.32.39
